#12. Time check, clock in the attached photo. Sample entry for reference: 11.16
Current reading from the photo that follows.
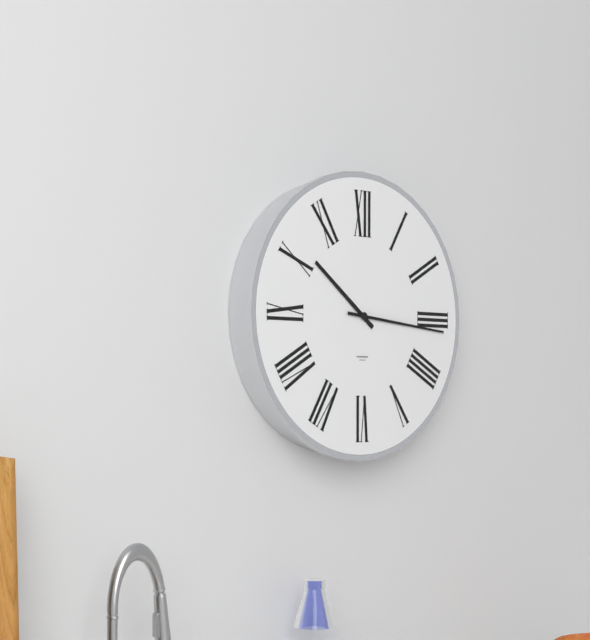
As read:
10.16
